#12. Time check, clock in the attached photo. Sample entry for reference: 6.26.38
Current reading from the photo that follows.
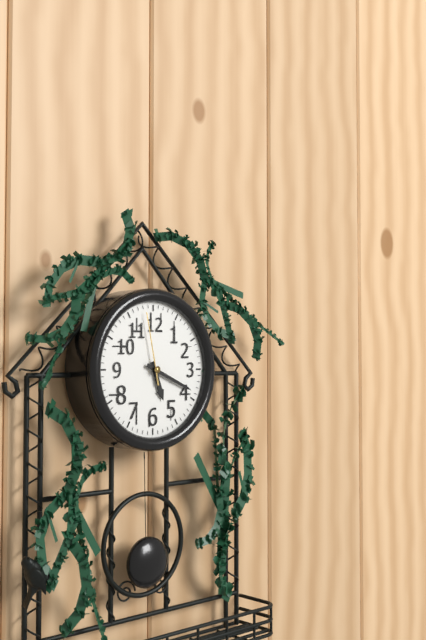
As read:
5.19.58
